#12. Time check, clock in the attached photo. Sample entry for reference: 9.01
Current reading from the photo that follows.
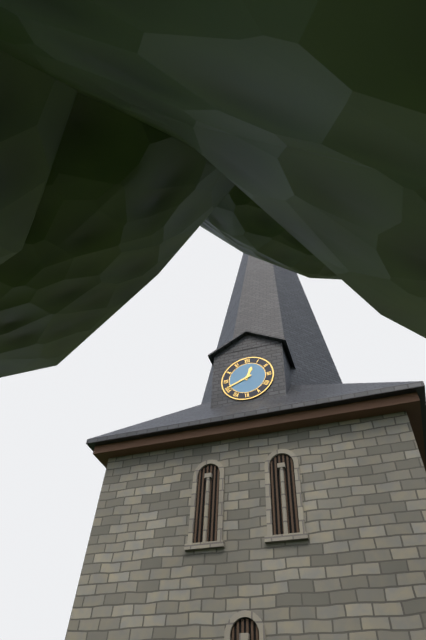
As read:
12.41
